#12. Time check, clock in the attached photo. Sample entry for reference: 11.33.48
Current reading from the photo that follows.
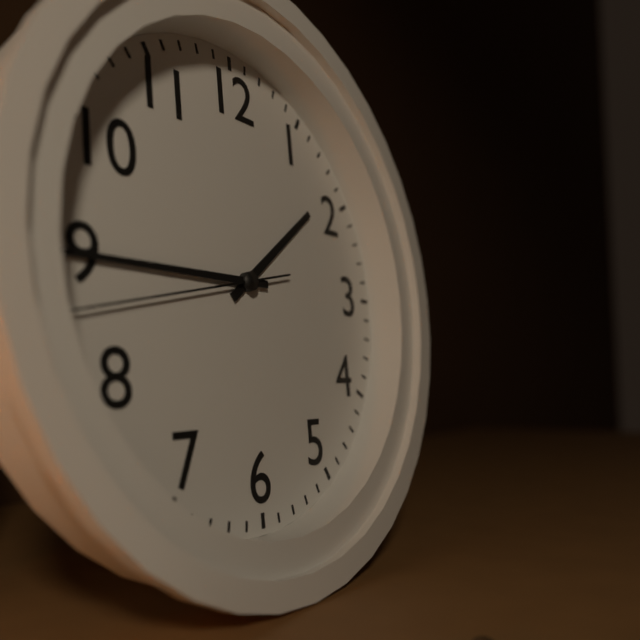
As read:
1.45.43
